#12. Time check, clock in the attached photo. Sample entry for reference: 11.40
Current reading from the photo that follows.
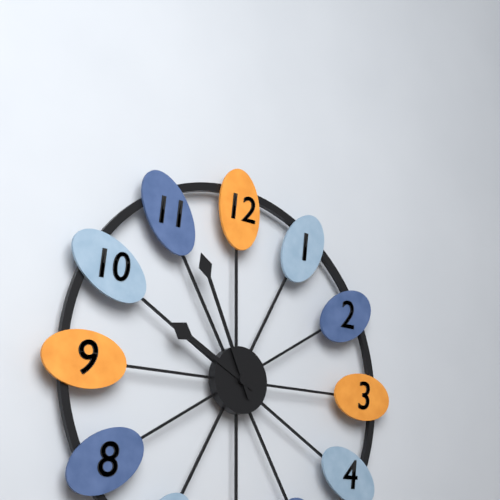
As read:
9.56
